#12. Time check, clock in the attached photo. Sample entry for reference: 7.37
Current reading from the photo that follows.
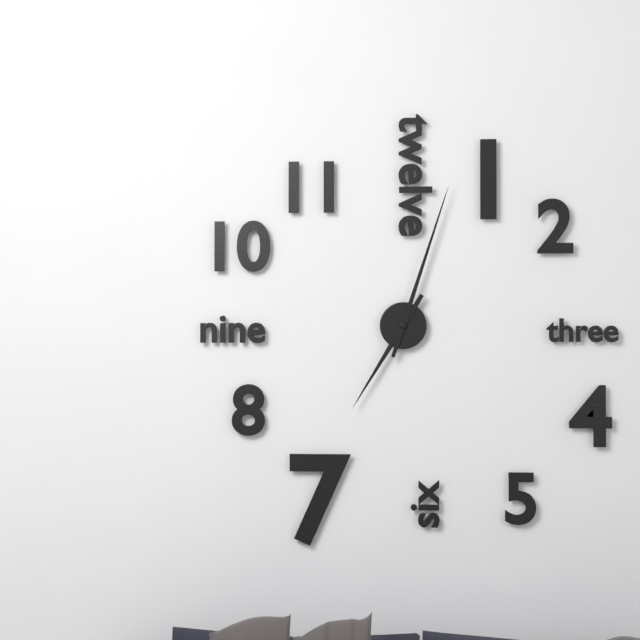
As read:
7.03
